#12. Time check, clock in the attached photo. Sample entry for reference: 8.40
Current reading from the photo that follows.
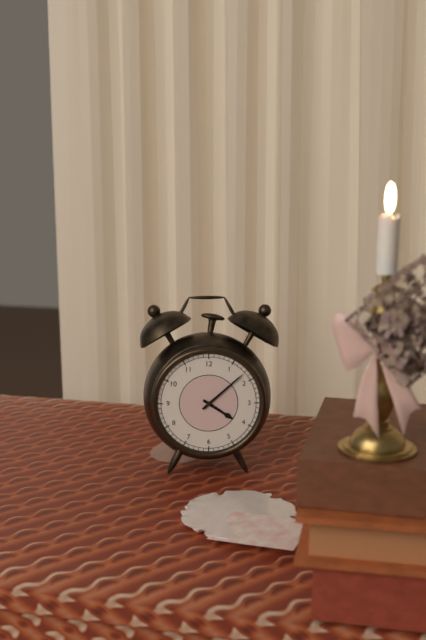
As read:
4.08
